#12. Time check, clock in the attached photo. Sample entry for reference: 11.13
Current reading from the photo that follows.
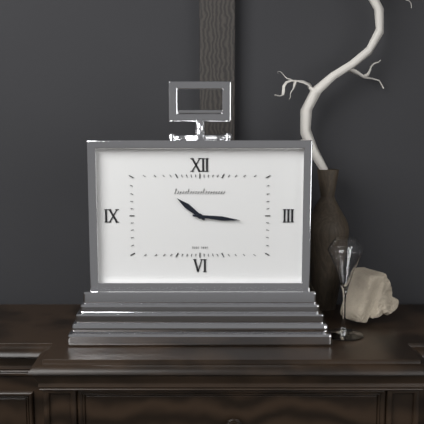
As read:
10.16
